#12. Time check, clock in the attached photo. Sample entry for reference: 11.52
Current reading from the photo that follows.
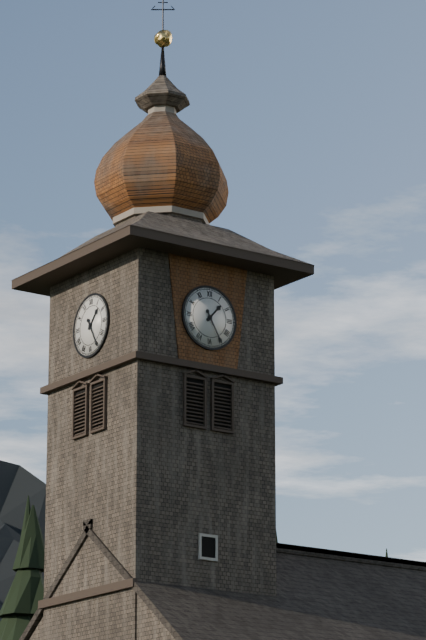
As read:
1.25
